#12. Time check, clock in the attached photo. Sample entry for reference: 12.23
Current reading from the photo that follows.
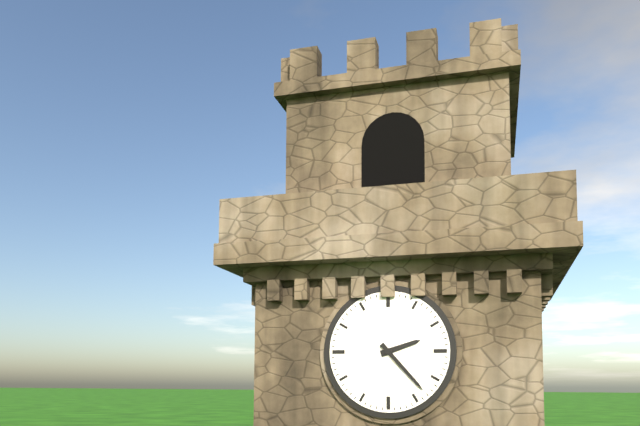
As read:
2.23
